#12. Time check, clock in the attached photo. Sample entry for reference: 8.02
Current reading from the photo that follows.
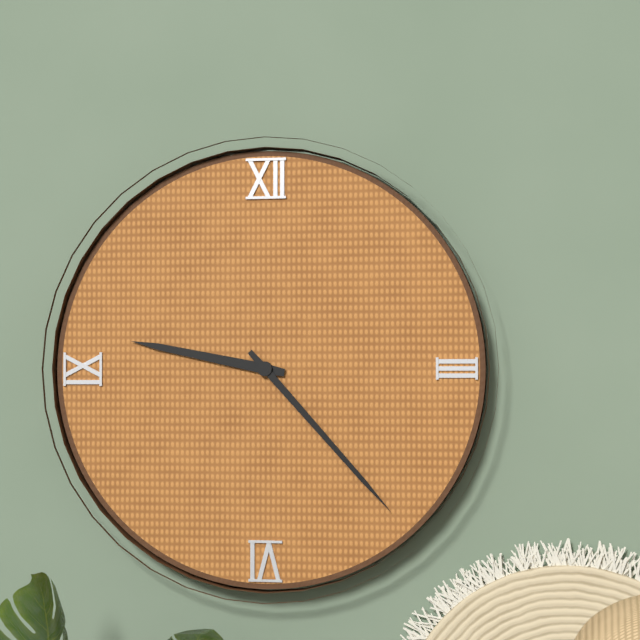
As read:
9.23
